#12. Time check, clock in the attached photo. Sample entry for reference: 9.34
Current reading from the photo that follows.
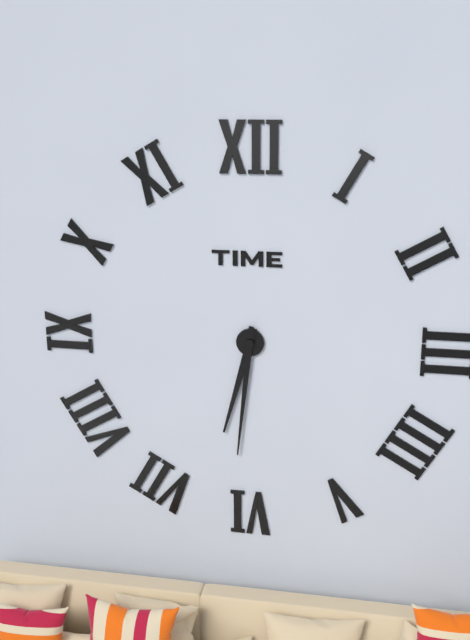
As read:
6.31
